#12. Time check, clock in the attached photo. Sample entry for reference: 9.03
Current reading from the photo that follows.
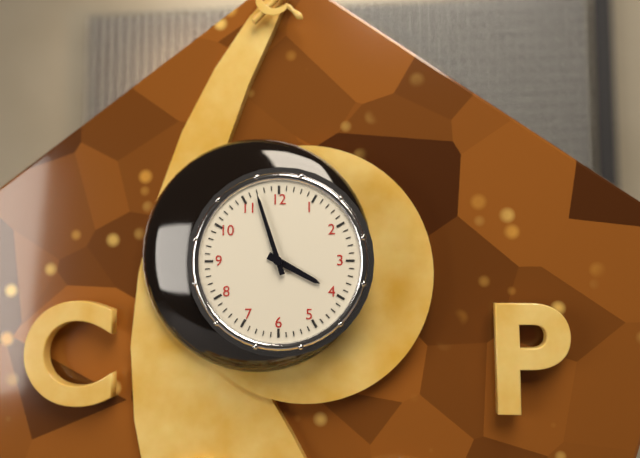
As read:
3.57
